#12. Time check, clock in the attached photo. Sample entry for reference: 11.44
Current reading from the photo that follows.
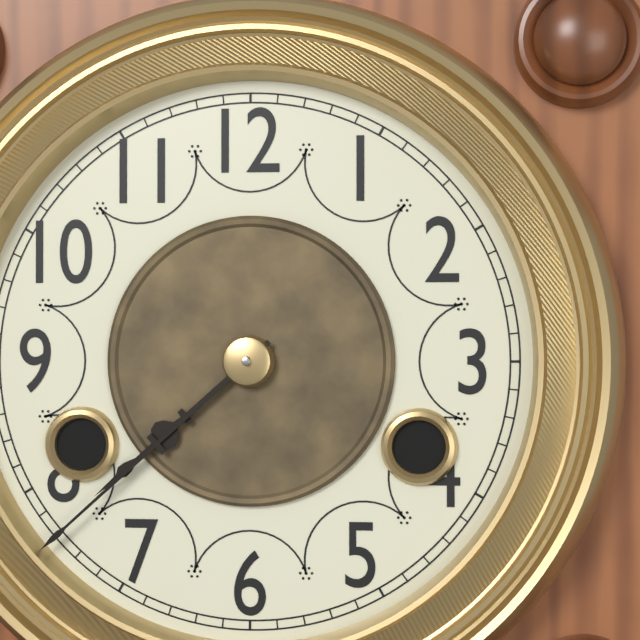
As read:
7.38
